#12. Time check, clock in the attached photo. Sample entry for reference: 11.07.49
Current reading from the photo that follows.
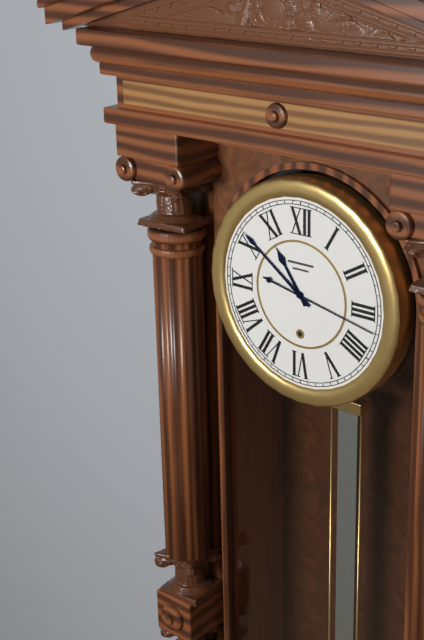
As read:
10.51.17
